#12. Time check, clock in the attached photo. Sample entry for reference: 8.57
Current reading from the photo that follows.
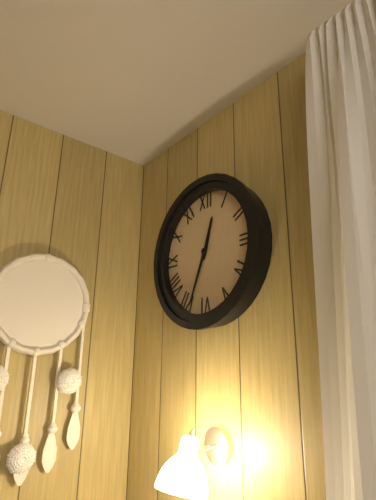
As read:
12.34
